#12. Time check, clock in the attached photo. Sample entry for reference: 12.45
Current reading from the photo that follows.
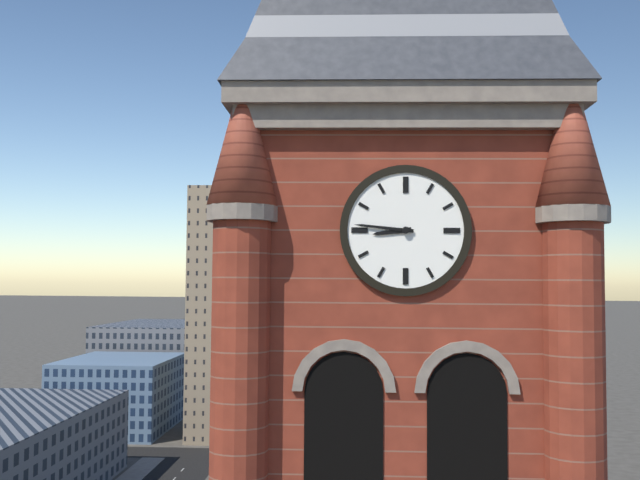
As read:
8.46
